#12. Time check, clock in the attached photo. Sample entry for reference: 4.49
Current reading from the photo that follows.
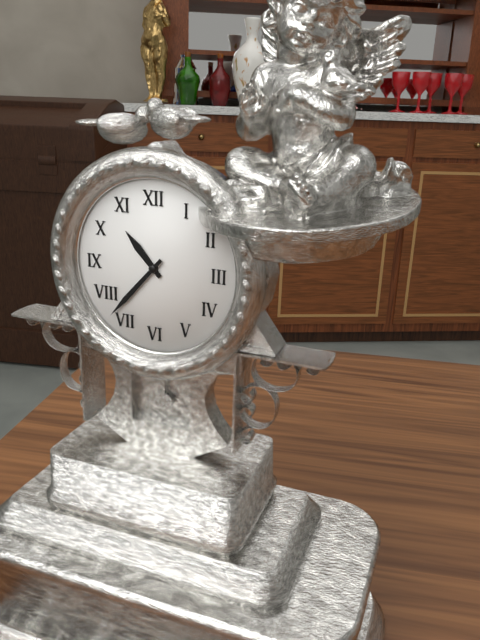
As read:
10.37
